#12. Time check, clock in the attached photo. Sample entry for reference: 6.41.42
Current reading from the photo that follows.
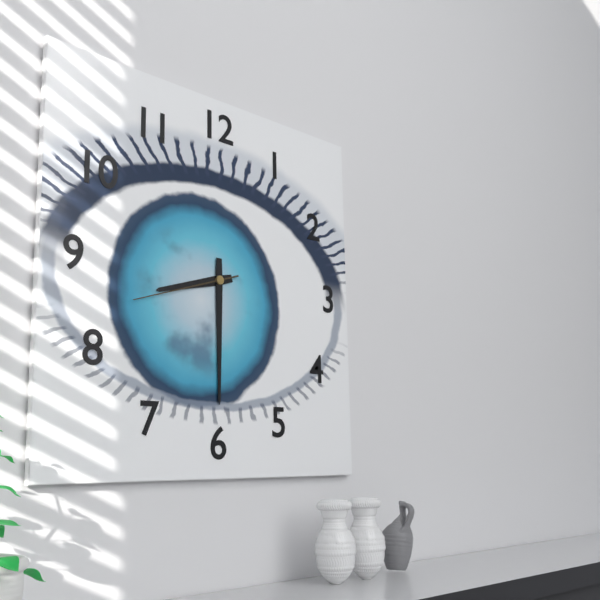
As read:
8.30.42
